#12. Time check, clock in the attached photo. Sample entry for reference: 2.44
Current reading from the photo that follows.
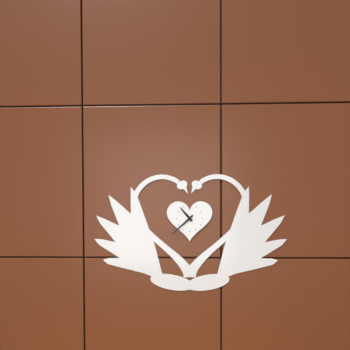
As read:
10.38
